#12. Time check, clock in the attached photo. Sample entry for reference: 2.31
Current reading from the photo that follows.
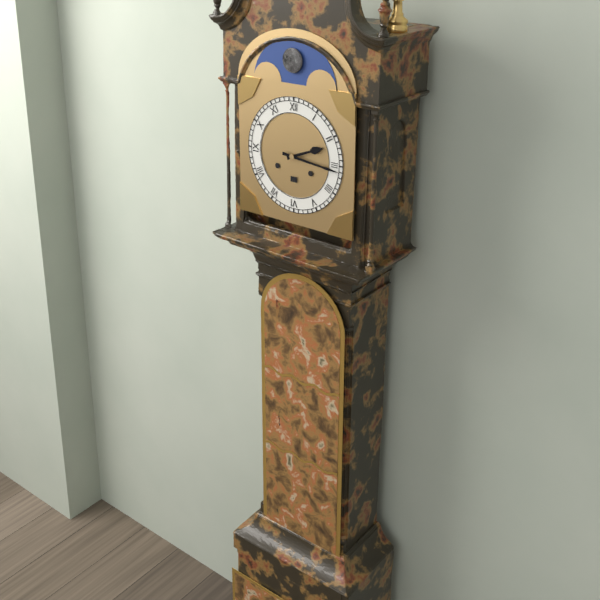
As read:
2.16
